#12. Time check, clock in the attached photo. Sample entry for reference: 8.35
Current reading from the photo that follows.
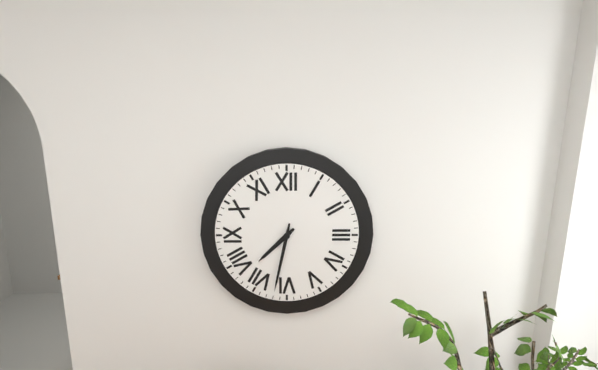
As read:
7.32
